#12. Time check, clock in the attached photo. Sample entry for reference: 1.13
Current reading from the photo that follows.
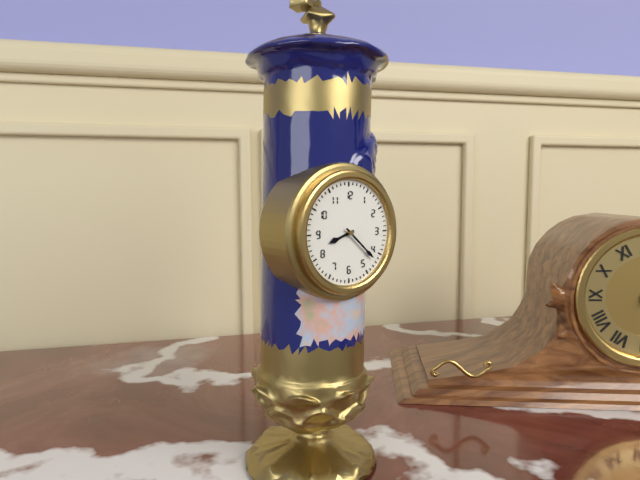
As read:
8.22
